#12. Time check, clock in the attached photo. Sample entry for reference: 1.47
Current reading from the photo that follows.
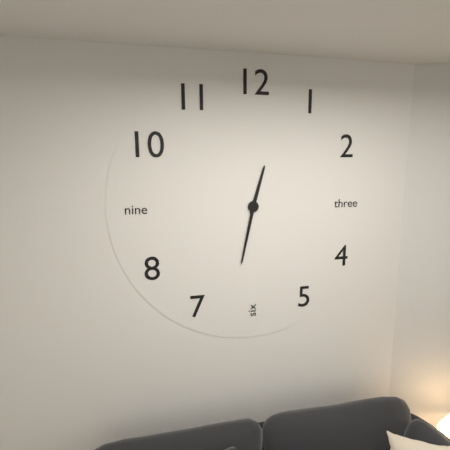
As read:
12.32
